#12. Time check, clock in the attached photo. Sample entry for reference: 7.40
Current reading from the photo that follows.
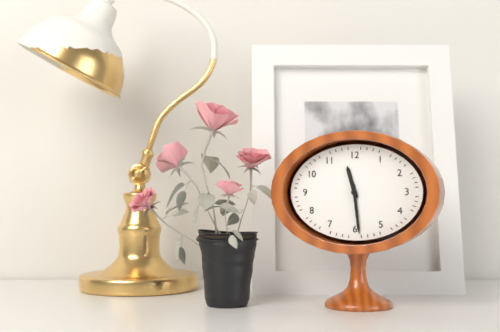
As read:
11.29
